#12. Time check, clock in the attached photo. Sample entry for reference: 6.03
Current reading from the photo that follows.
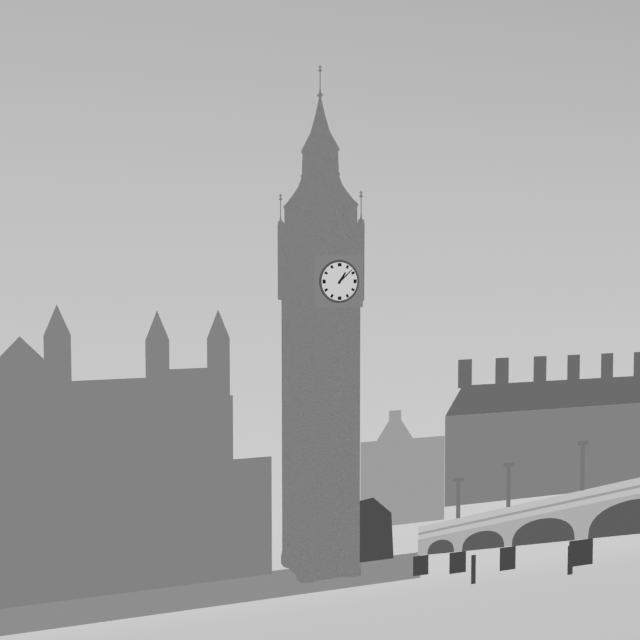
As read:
1.08
